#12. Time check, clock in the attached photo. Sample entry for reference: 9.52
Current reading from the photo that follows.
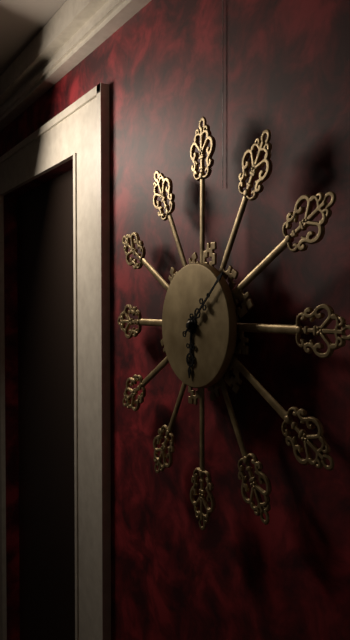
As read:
6.08
